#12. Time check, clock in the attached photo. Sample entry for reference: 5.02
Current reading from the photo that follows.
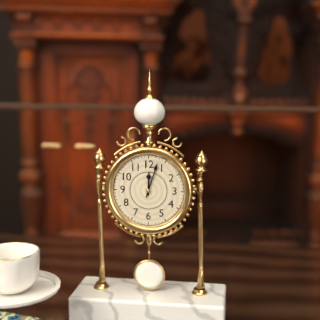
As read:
12.03
